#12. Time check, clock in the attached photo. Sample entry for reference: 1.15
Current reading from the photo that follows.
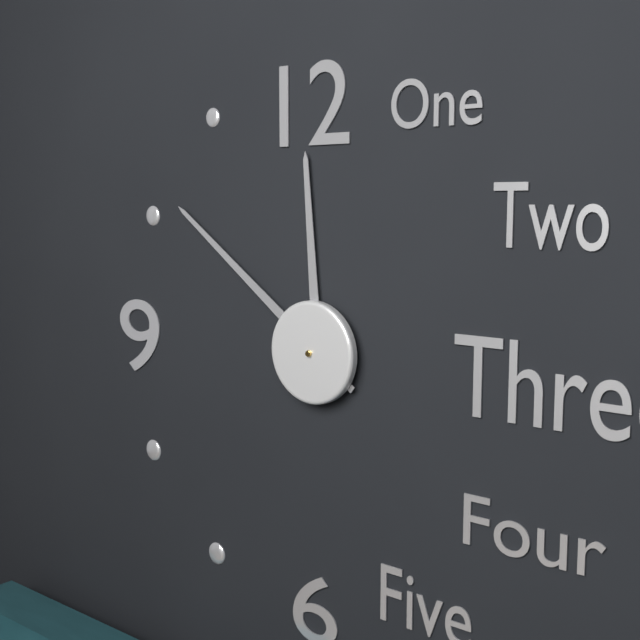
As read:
11.51
